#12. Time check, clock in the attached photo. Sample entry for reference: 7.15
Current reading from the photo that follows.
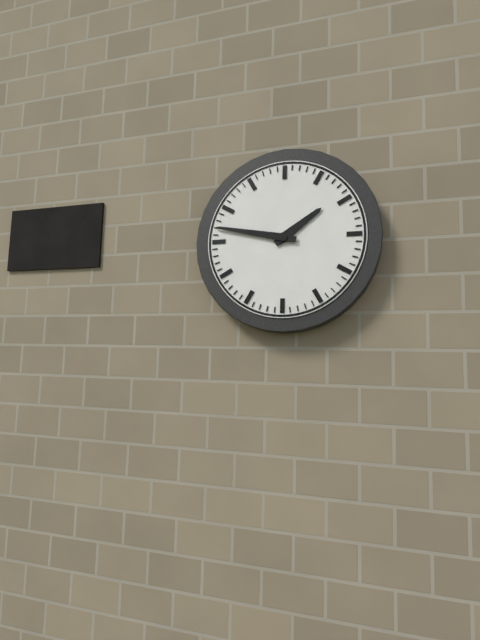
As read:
1.47
